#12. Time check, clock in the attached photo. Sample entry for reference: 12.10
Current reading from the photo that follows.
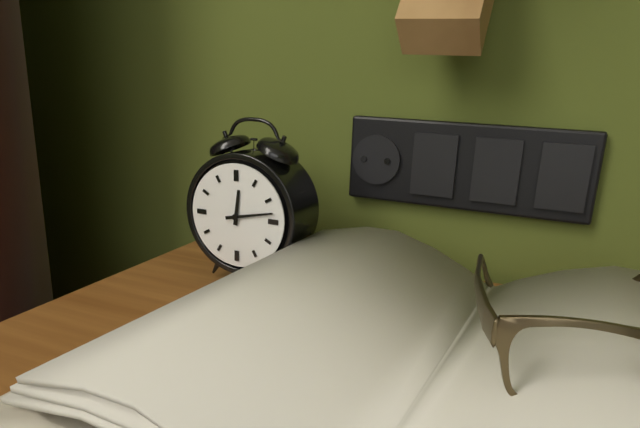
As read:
12.13
